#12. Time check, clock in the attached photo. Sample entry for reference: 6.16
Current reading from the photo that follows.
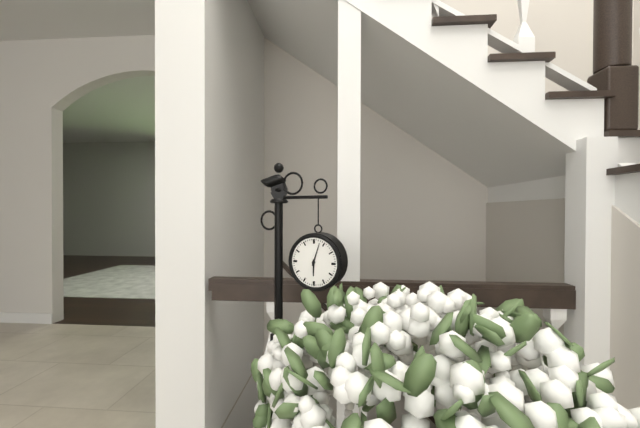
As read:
6.03
